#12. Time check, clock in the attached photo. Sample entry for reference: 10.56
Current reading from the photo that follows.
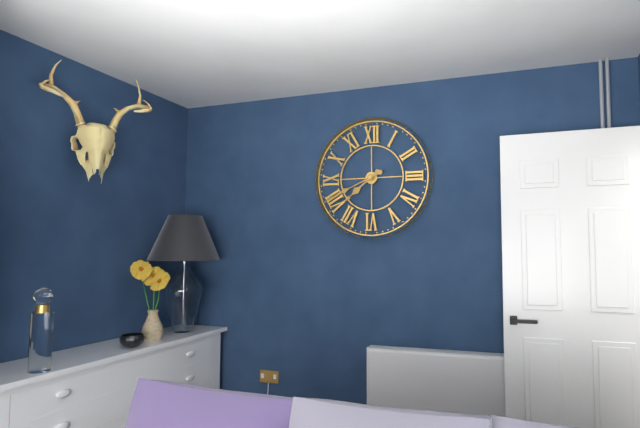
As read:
7.41
